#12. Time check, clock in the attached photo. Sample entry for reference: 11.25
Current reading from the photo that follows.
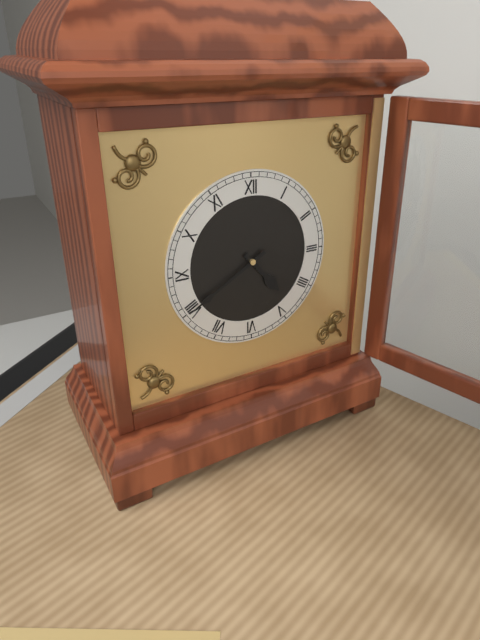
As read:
4.40
